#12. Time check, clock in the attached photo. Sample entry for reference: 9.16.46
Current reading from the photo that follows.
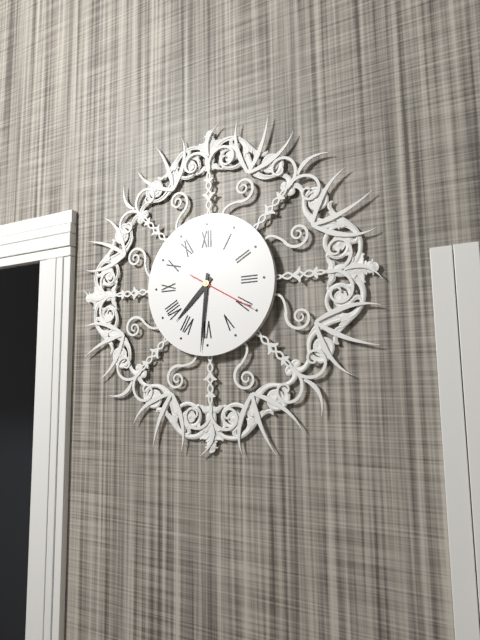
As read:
7.31.20
